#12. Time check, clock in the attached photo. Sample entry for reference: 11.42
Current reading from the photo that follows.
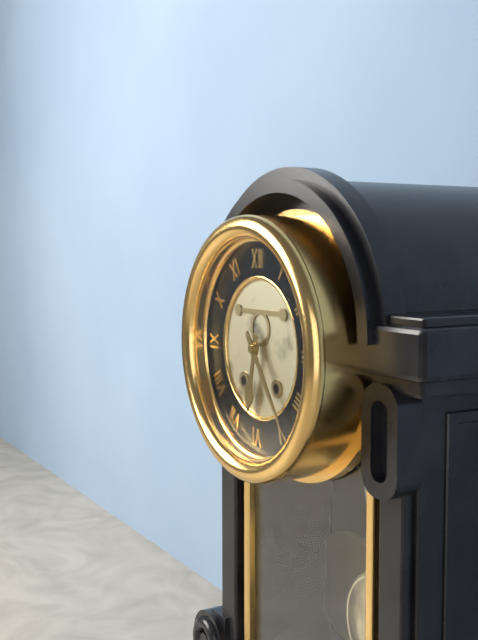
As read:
6.24
